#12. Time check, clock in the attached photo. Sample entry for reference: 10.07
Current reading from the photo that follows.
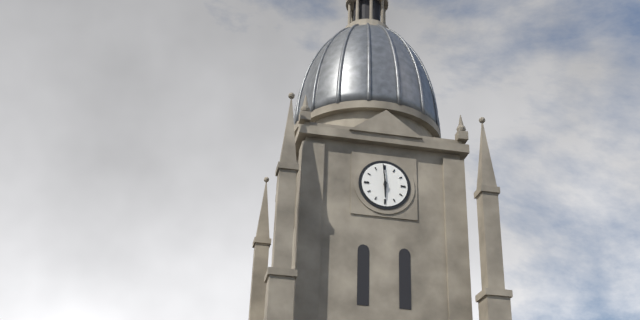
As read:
5.59
